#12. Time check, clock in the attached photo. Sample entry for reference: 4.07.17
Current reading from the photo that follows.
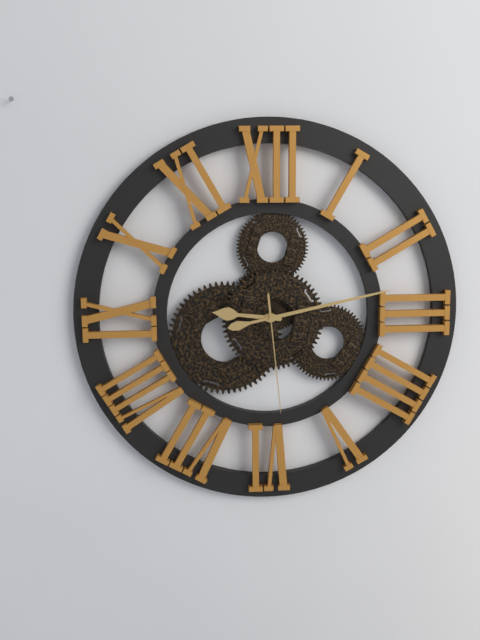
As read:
9.13.29
